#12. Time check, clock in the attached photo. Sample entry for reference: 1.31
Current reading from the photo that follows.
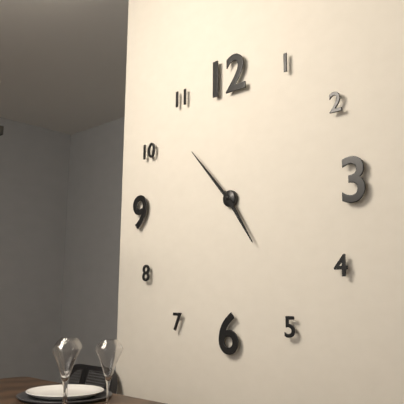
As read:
4.53
